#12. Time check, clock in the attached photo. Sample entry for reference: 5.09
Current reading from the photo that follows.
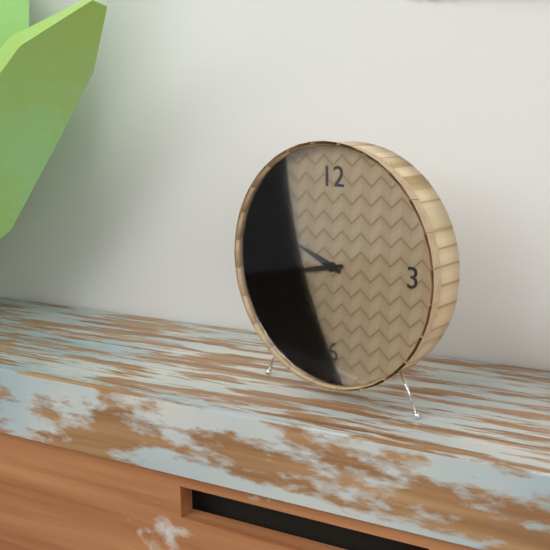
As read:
9.43
